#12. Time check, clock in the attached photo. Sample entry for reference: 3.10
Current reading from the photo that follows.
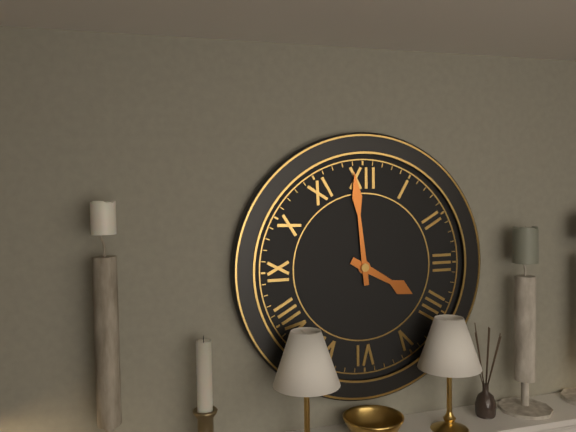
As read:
3.59
